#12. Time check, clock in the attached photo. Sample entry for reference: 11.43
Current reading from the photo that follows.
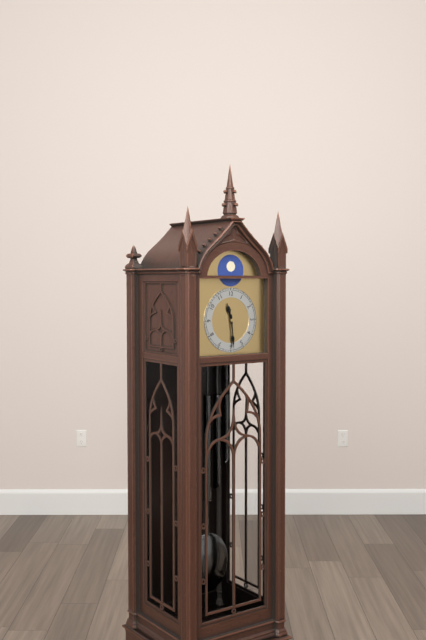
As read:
11.29
